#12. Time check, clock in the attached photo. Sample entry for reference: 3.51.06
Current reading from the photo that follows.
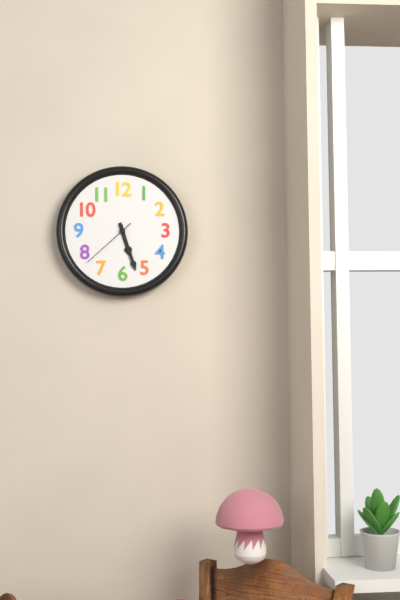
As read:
5.27.38
